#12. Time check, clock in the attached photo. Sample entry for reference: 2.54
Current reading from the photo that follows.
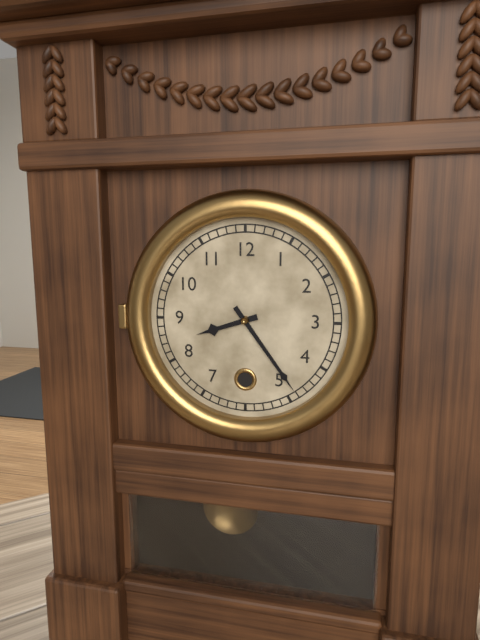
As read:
8.24
